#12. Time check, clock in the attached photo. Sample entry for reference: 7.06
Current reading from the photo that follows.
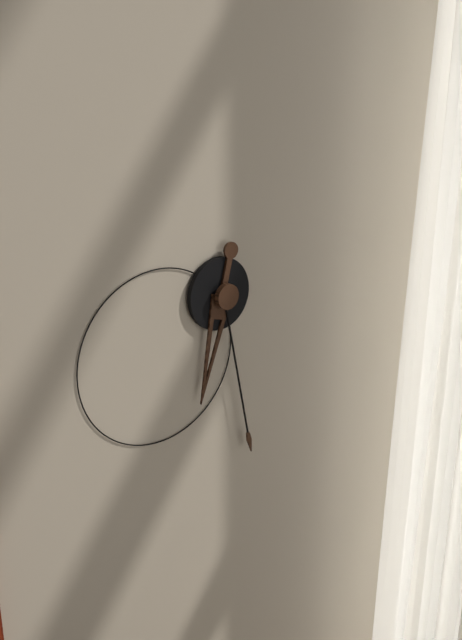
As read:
6.28
